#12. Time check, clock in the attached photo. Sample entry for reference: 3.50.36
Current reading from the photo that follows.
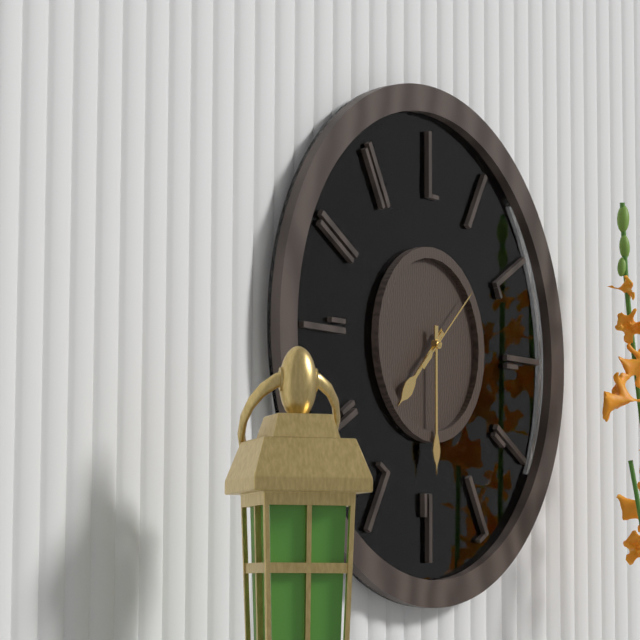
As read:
7.30.08
